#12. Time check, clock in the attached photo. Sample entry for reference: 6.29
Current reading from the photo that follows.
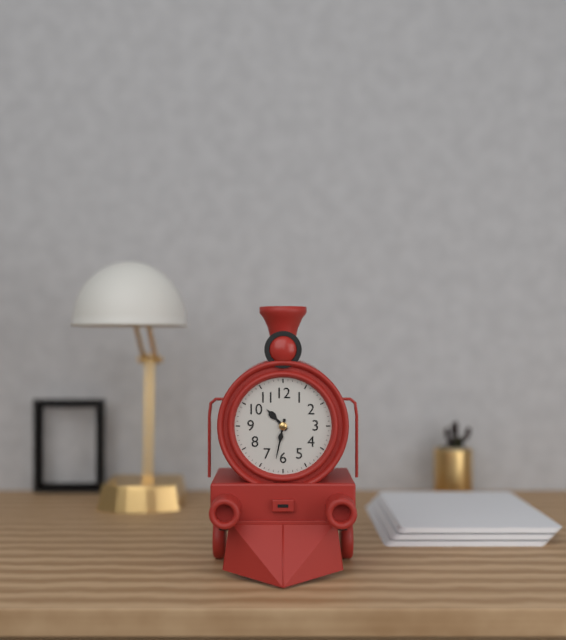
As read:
10.32
